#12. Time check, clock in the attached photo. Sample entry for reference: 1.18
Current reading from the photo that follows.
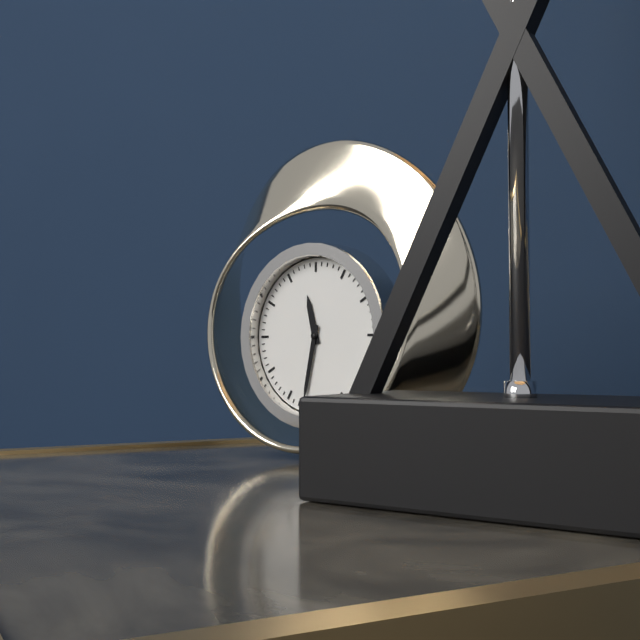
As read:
11.32
